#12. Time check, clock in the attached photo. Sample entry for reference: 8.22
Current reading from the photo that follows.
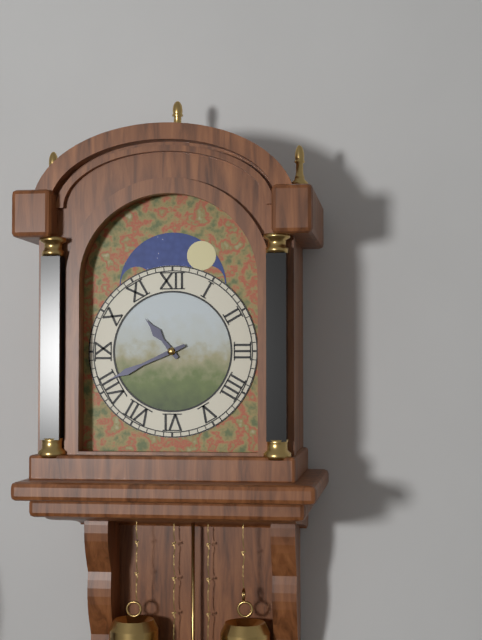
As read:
10.41
